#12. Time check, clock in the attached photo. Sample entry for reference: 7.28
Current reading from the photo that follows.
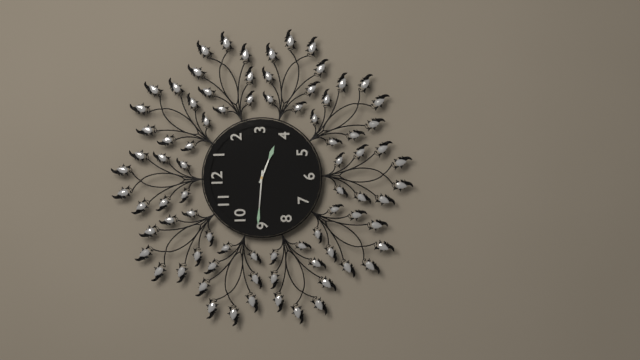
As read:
3.46
